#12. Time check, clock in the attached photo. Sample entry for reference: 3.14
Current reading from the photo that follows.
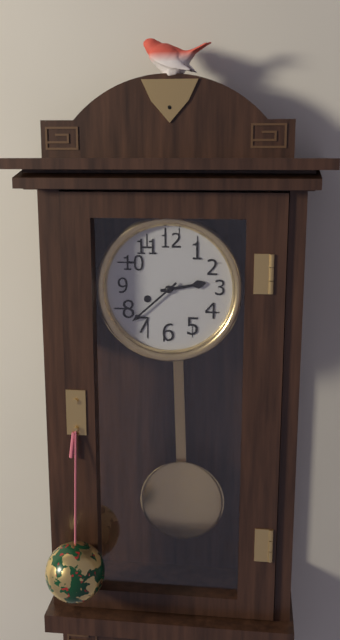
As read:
2.38
